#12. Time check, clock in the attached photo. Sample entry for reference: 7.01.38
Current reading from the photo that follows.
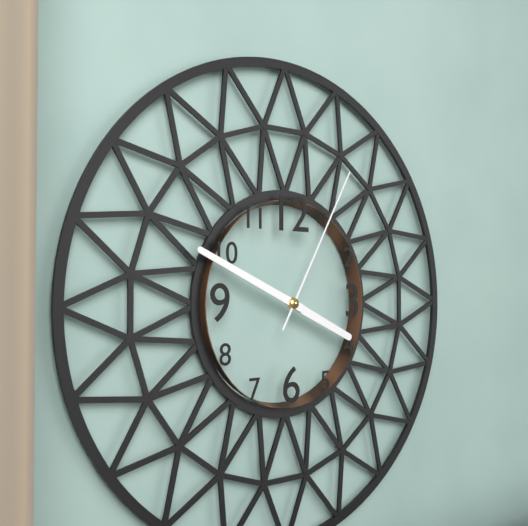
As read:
3.49.05
